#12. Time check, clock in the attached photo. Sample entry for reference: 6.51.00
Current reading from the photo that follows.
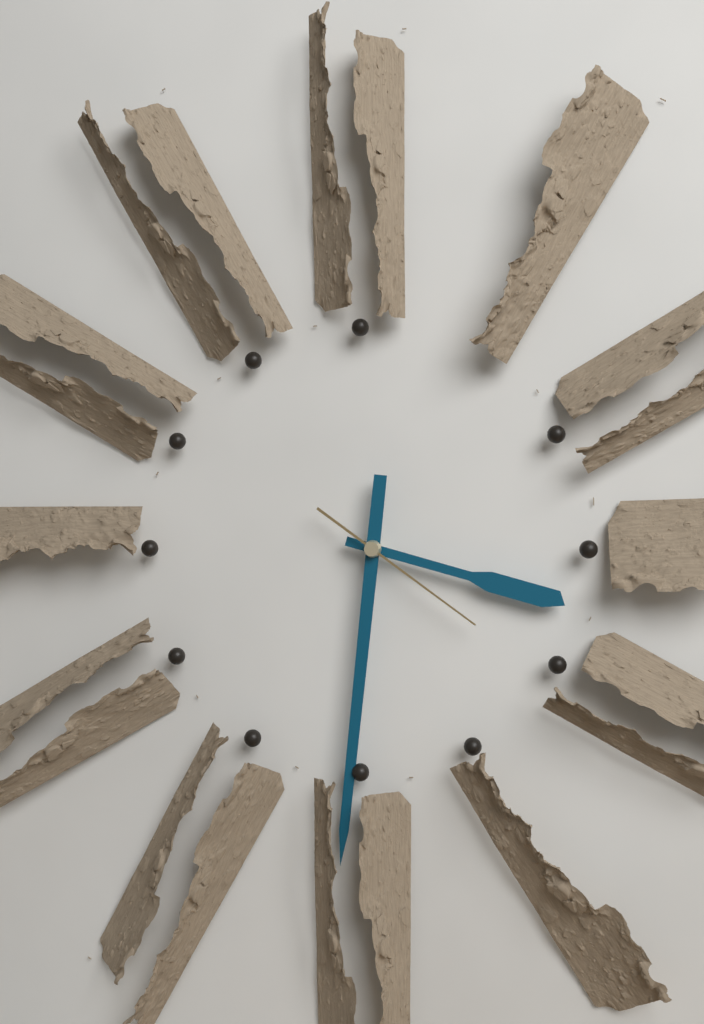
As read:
3.31.21
